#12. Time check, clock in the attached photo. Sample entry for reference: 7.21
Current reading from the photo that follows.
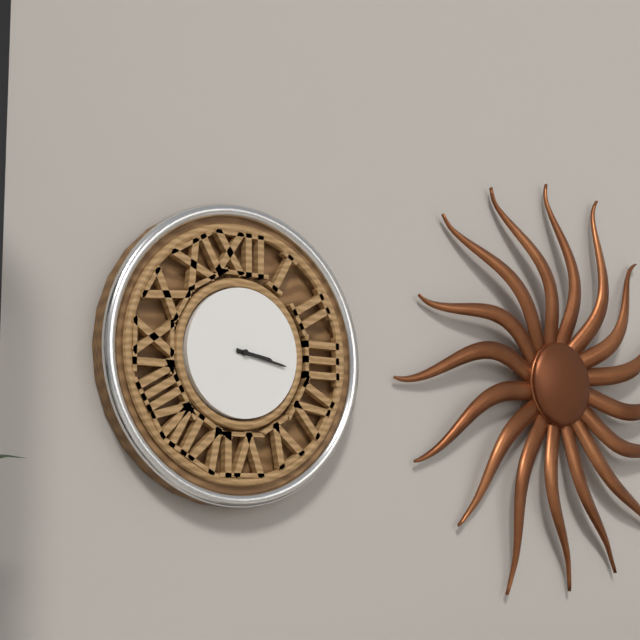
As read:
3.17
